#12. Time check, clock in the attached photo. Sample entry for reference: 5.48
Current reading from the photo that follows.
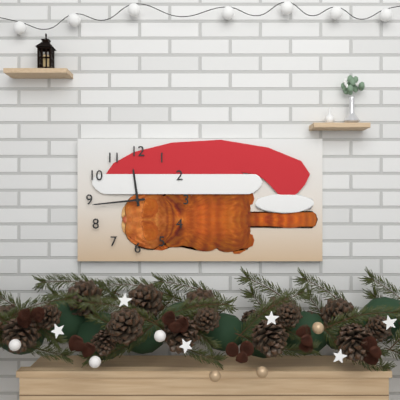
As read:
11.44
